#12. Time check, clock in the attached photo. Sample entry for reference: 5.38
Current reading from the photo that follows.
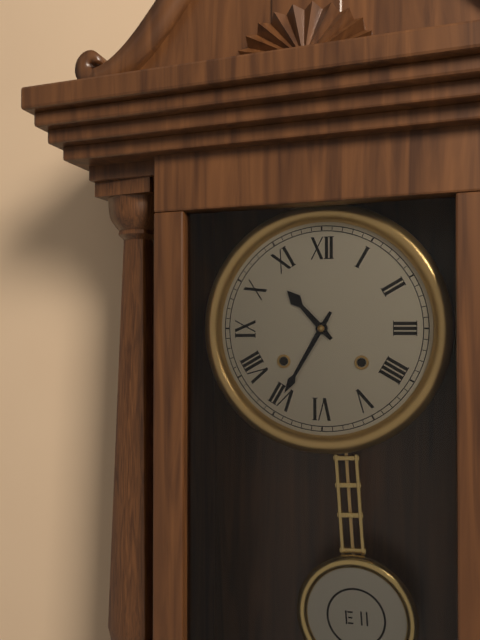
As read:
10.35
